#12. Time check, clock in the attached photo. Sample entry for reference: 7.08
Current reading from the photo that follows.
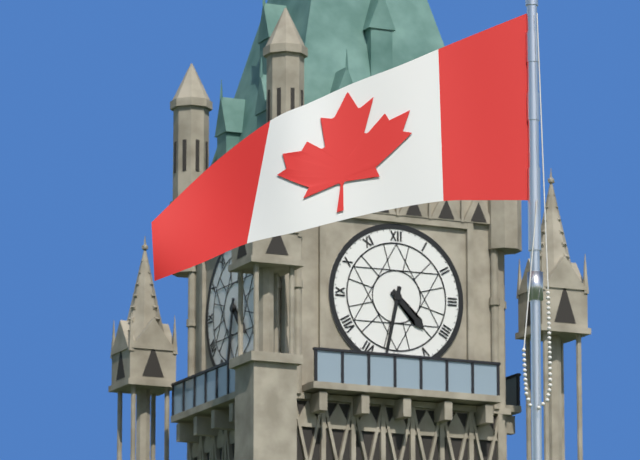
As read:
4.32
